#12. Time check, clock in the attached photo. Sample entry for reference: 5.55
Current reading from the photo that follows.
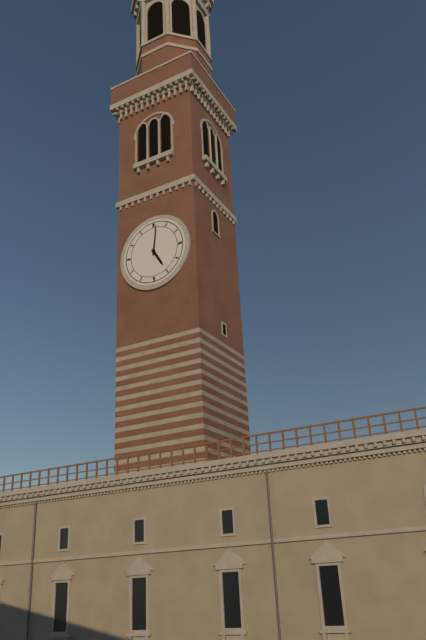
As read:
5.01
